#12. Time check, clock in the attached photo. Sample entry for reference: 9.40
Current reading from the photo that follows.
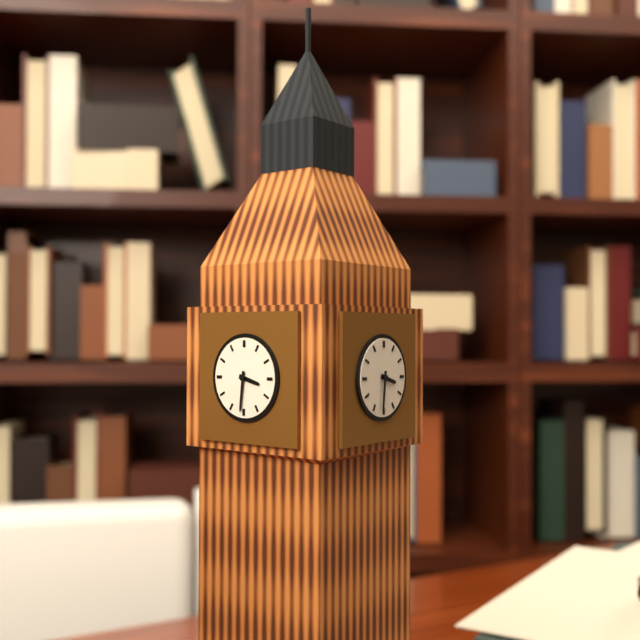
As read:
3.31
